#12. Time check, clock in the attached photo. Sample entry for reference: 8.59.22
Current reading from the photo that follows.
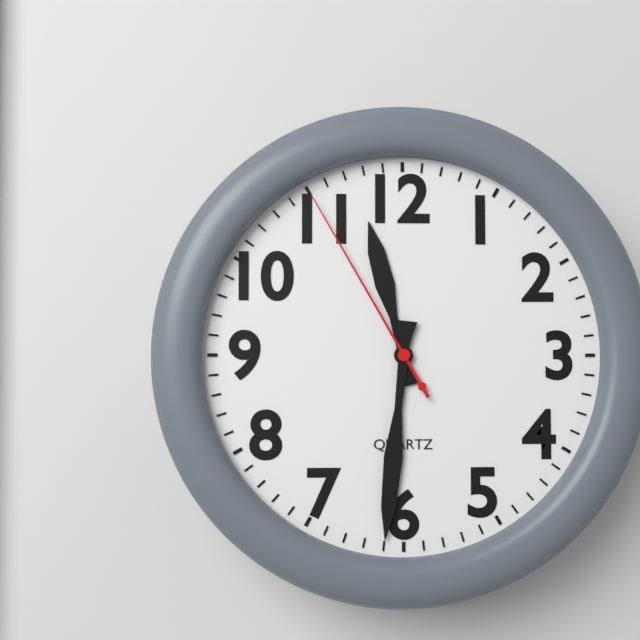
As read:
11.31.55
